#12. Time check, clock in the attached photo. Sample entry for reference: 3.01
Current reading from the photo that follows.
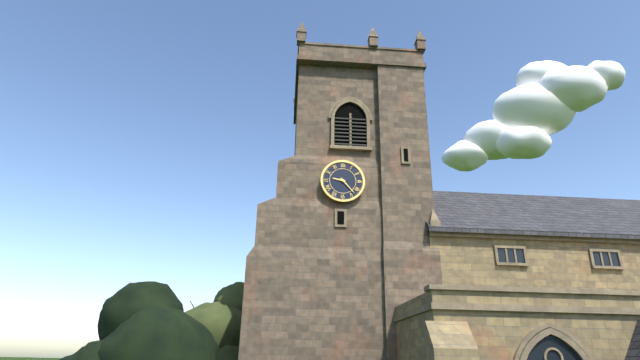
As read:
9.23
